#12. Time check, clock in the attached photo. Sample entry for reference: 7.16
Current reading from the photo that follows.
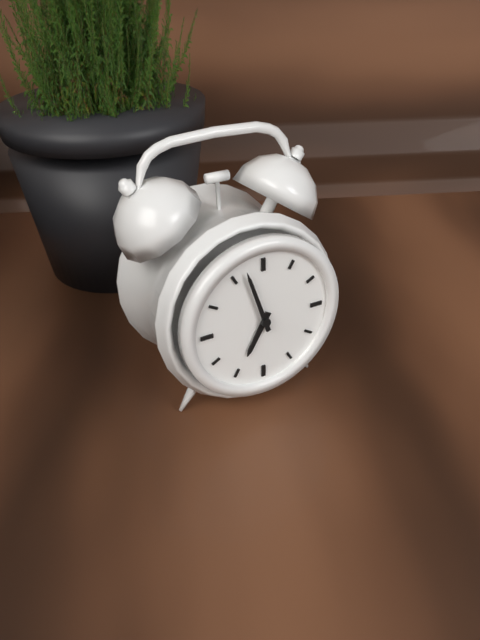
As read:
6.57
